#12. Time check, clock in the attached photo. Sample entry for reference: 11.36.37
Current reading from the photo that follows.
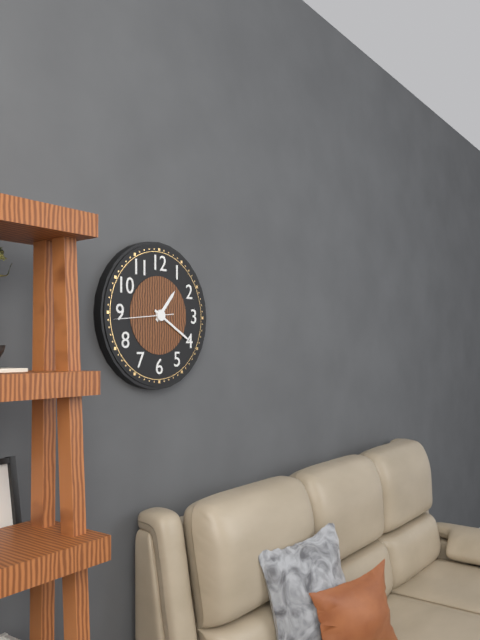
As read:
1.20.44
